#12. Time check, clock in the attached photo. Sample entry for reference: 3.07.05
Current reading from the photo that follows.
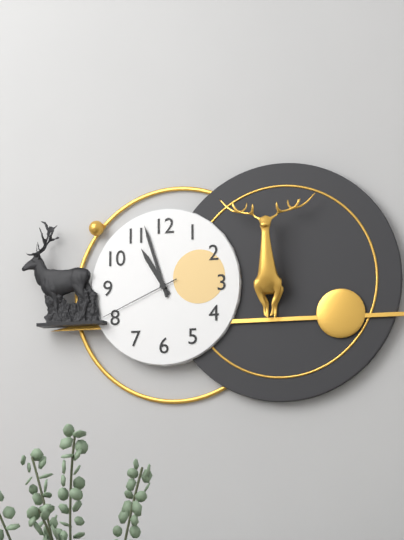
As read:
10.57.41
